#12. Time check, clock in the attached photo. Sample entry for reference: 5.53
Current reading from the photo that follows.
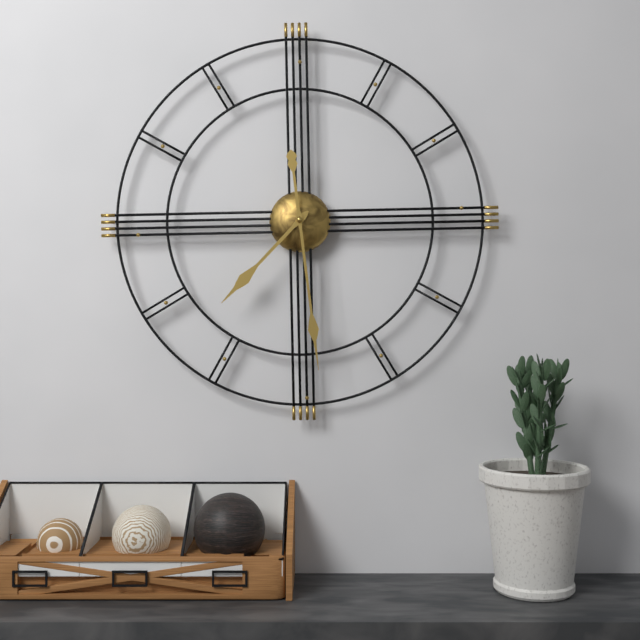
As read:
7.29
